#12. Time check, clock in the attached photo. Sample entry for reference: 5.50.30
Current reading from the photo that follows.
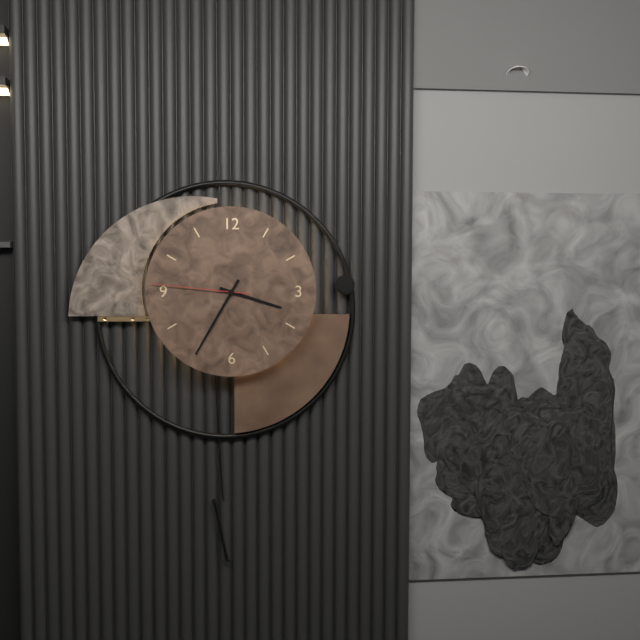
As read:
3.35.46
